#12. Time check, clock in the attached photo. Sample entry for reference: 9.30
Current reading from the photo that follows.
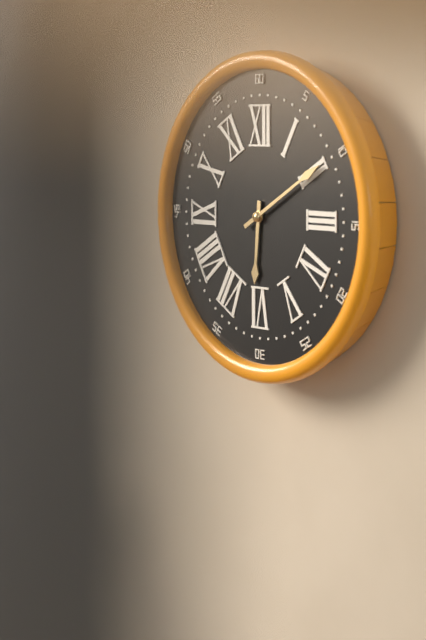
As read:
6.10
